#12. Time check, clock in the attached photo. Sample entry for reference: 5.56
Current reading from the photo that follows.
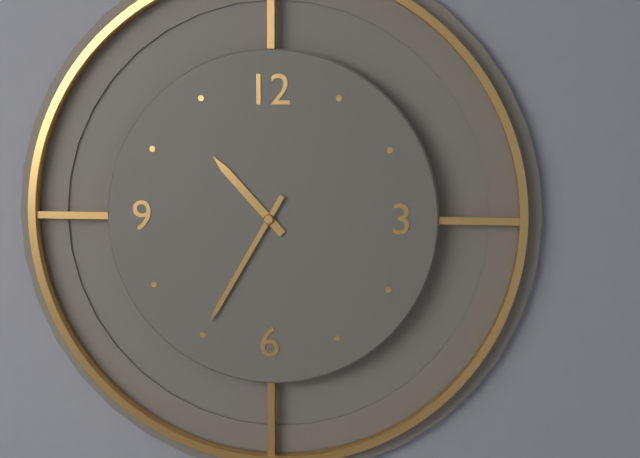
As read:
10.35
